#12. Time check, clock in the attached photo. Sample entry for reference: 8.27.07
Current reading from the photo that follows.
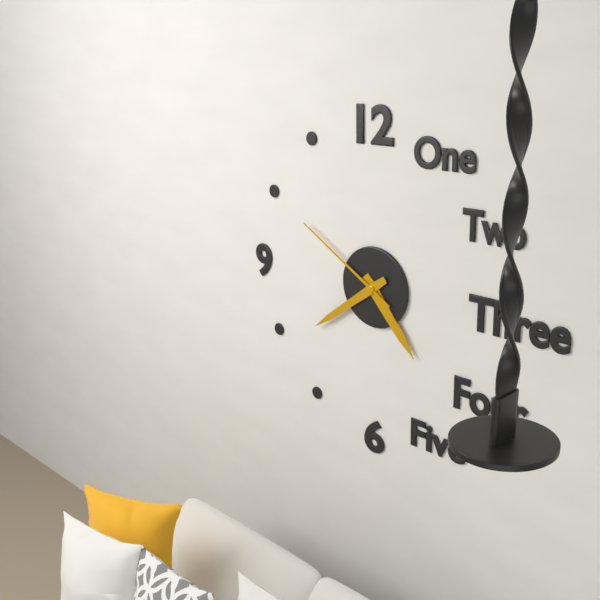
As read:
4.39.50
